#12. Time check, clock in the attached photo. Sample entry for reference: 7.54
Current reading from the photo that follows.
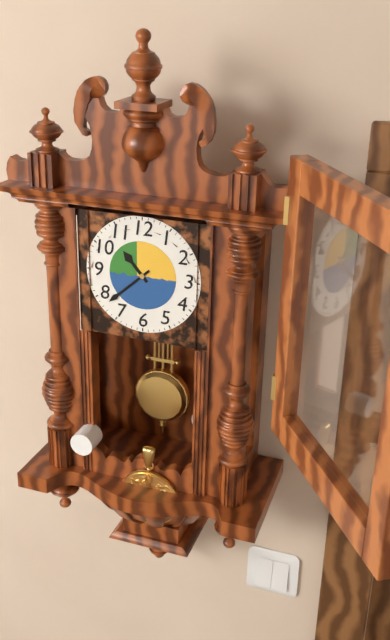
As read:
10.38
